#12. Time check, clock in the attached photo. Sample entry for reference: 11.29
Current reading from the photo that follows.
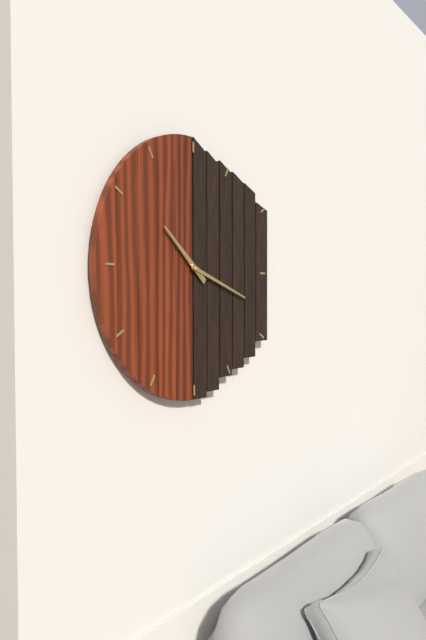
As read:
10.18
